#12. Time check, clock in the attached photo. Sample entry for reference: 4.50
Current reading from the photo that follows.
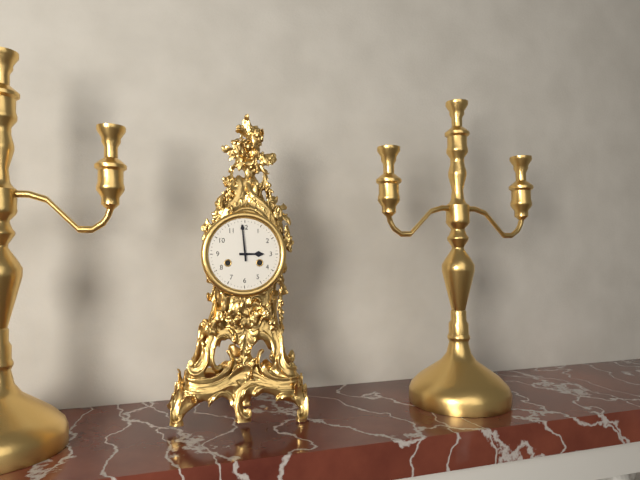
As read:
2.59
